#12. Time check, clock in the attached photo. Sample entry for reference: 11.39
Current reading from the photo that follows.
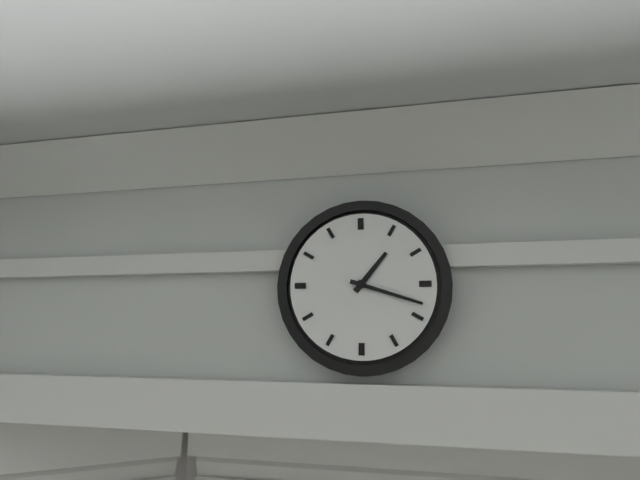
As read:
1.18
